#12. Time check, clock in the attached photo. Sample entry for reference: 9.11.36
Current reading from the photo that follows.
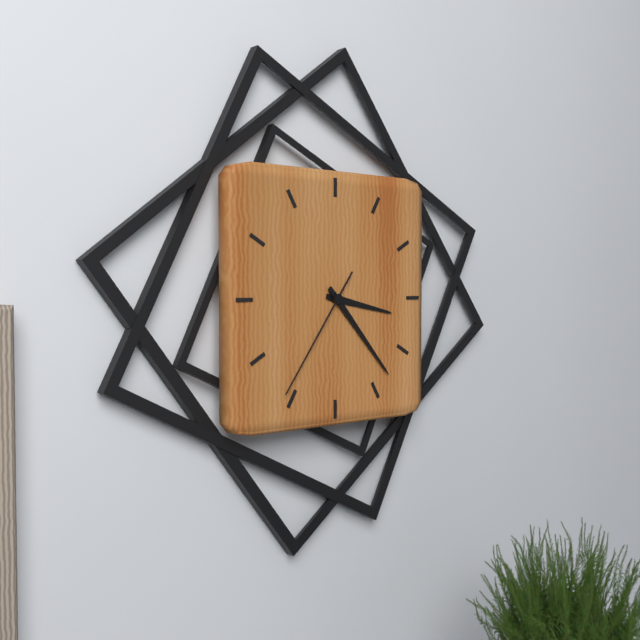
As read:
3.23.36
